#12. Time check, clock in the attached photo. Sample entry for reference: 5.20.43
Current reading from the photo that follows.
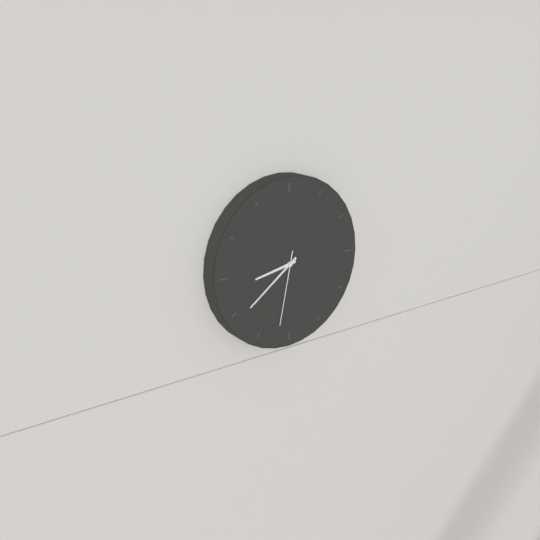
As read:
8.39.32
